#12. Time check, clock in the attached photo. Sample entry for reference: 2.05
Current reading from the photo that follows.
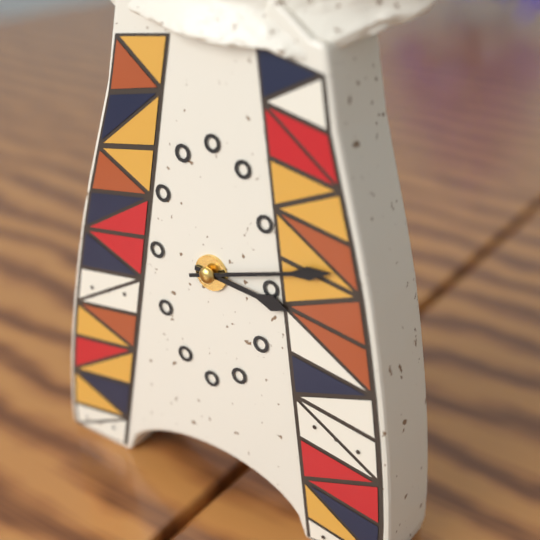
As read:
3.12
